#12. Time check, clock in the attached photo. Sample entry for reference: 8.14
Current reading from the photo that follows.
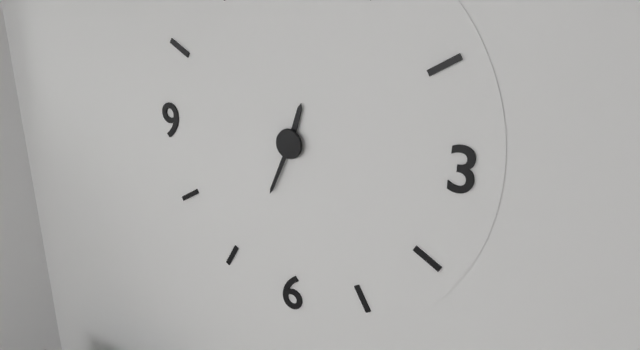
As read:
12.34
